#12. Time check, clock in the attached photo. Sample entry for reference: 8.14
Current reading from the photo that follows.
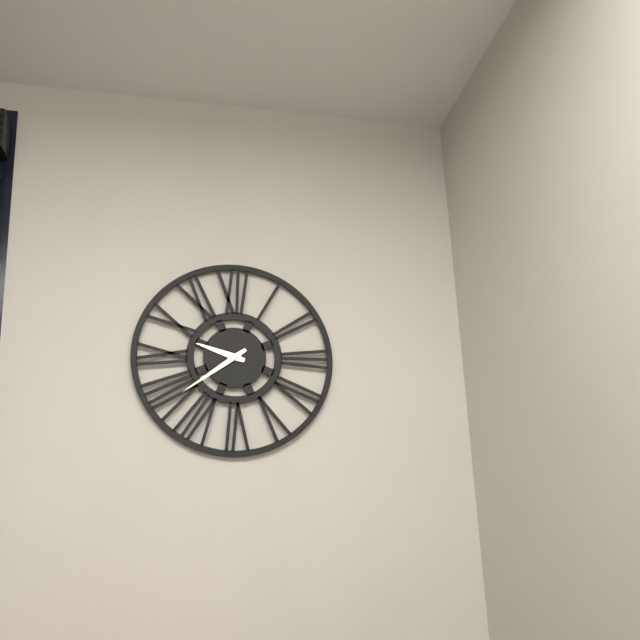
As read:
9.39
